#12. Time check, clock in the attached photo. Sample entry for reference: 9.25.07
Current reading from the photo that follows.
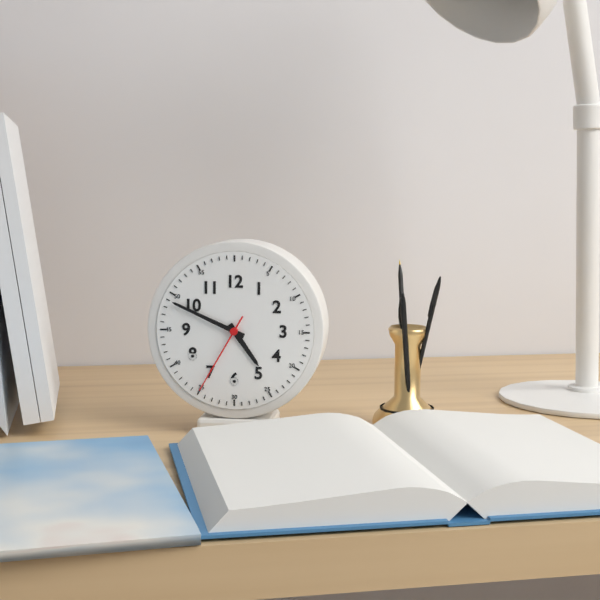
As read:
4.49.35
